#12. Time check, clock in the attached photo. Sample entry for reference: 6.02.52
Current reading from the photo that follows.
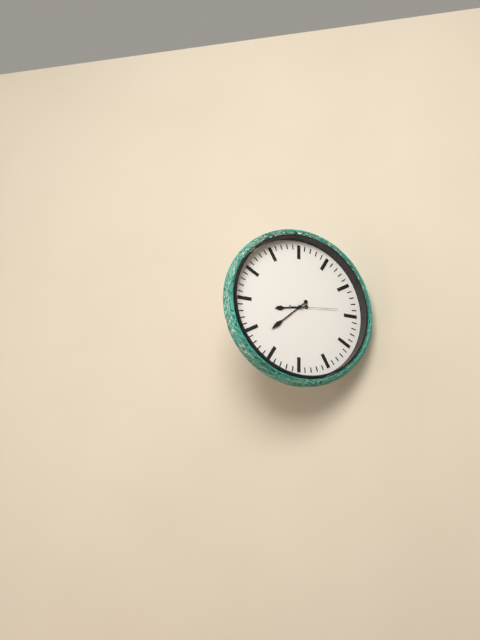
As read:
8.38.14
